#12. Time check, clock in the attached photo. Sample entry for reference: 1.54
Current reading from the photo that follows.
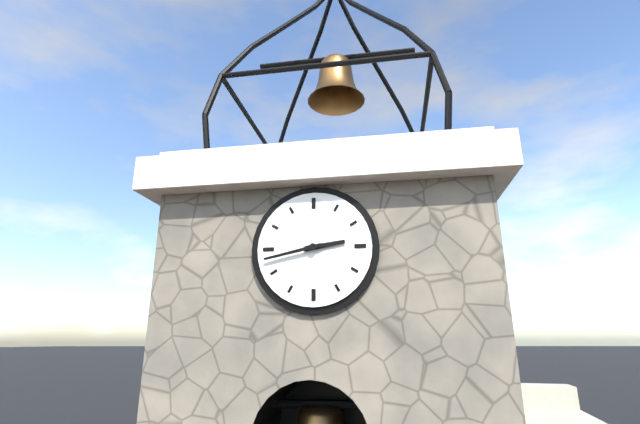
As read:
2.43
